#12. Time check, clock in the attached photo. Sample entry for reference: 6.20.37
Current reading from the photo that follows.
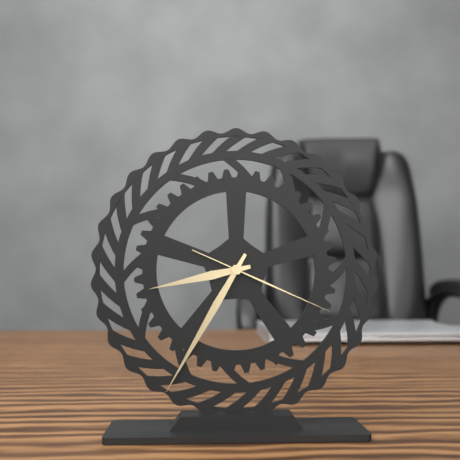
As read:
8.35.19
